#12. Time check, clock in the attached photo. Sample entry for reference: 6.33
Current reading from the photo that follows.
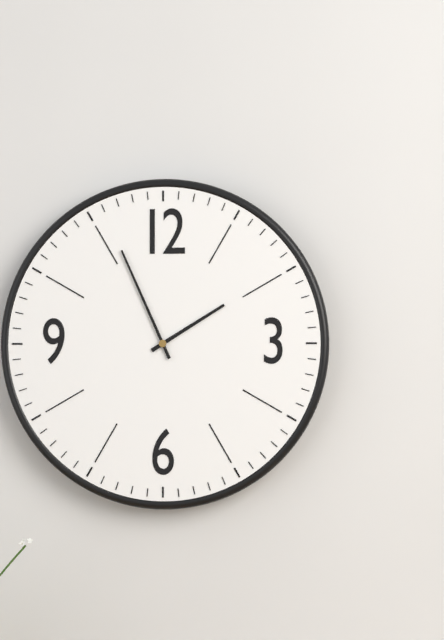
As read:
1.56
